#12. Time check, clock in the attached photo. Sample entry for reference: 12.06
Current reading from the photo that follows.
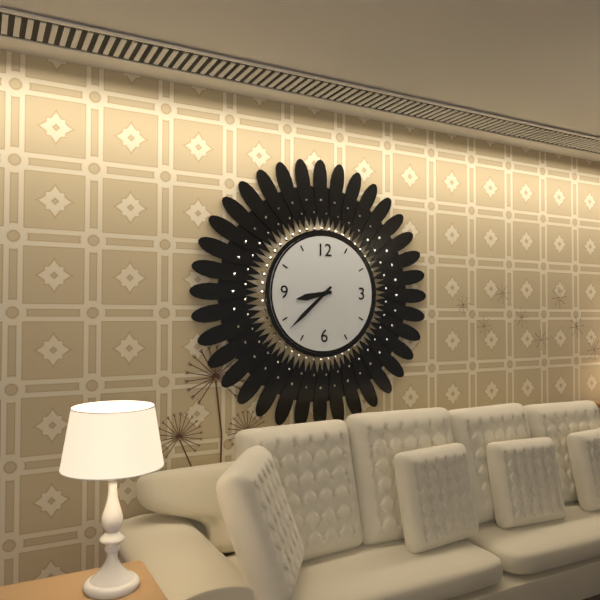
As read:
8.38
